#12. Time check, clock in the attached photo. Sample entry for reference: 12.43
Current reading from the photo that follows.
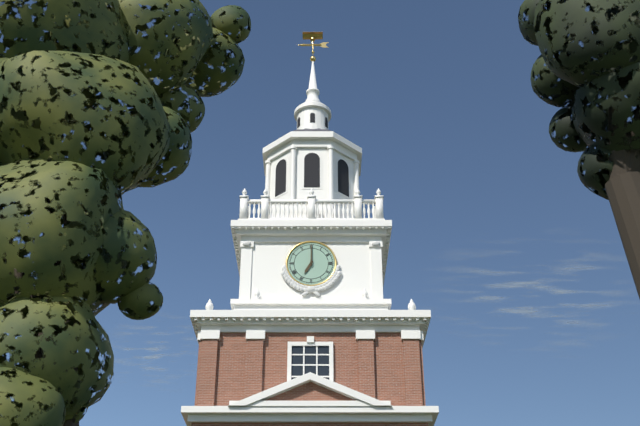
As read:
7.00
